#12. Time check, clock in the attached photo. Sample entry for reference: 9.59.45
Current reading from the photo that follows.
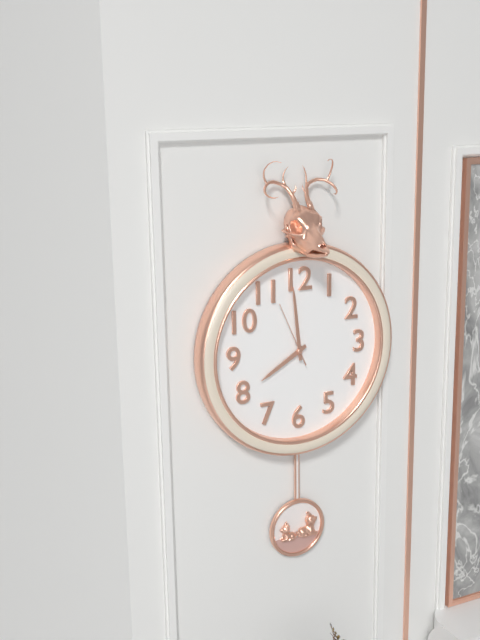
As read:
7.59.56
